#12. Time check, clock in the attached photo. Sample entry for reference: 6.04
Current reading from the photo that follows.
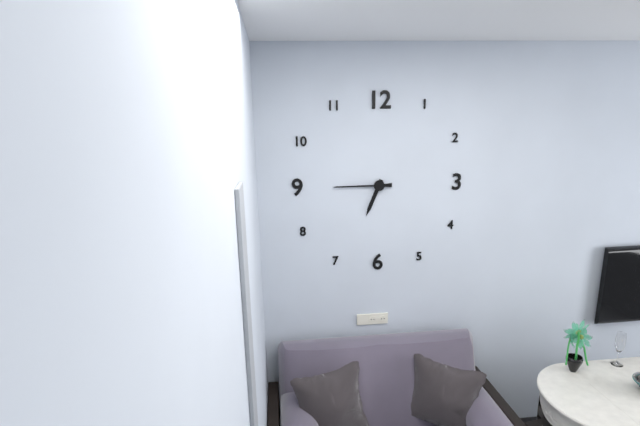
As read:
6.45
